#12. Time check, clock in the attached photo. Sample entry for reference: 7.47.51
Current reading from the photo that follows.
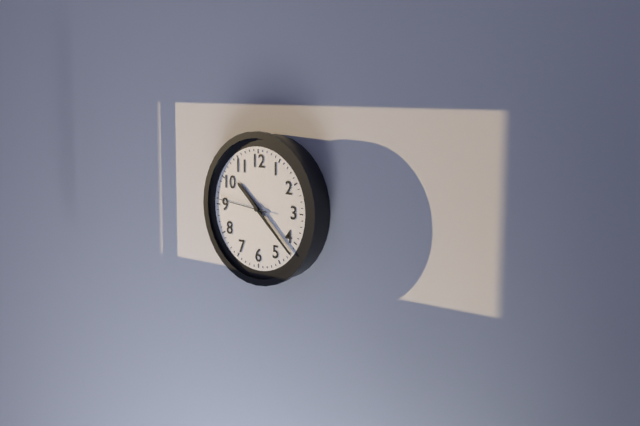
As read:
10.22.46
